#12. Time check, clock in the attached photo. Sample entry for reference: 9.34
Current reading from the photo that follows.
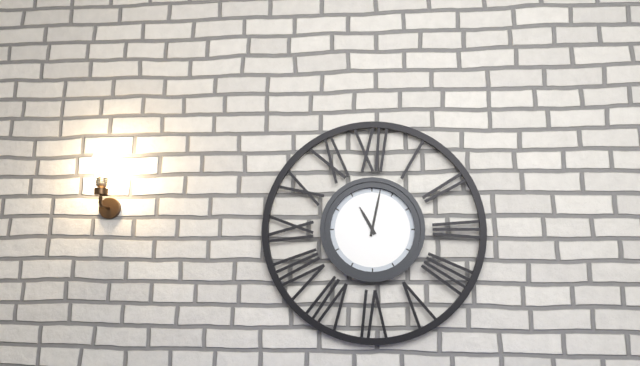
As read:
11.02
